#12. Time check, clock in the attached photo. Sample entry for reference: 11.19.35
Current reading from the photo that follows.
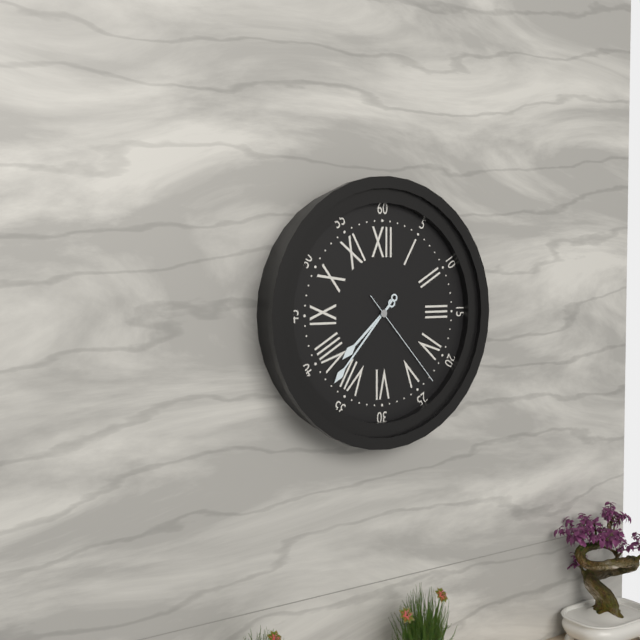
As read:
7.37.23
